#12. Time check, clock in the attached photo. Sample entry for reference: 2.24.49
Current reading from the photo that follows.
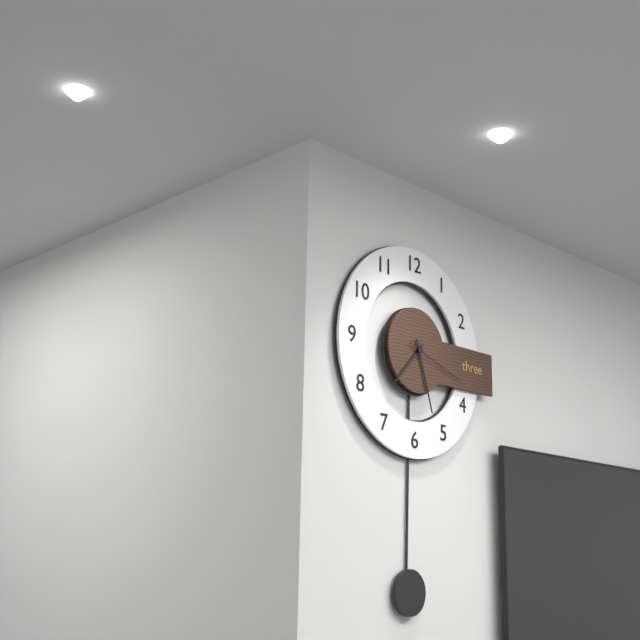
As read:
7.27.18
